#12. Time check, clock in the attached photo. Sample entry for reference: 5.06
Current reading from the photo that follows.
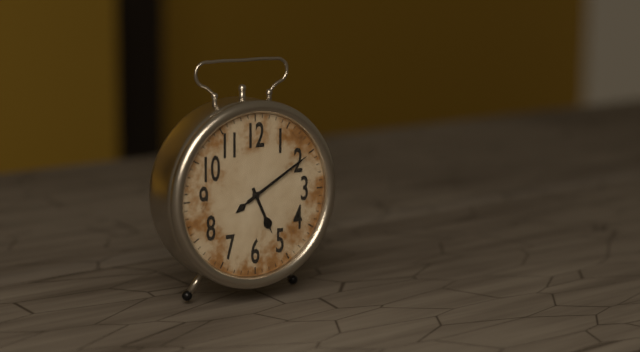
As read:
5.10
